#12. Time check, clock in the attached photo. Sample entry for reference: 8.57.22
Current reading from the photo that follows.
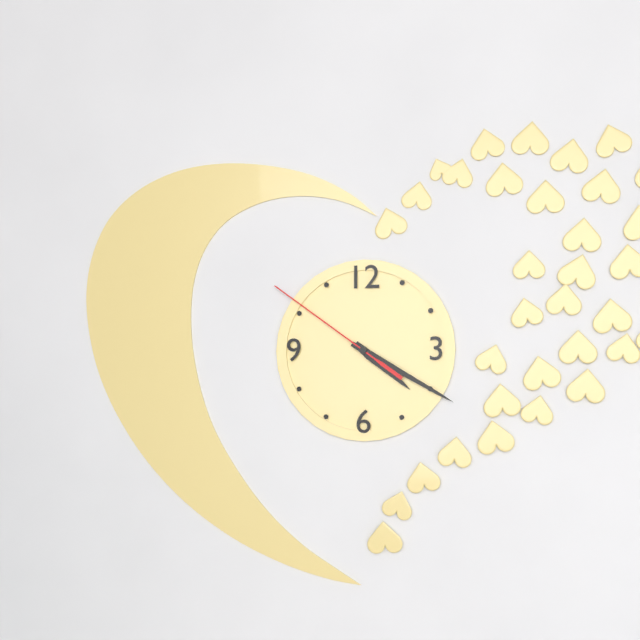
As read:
4.20.51
